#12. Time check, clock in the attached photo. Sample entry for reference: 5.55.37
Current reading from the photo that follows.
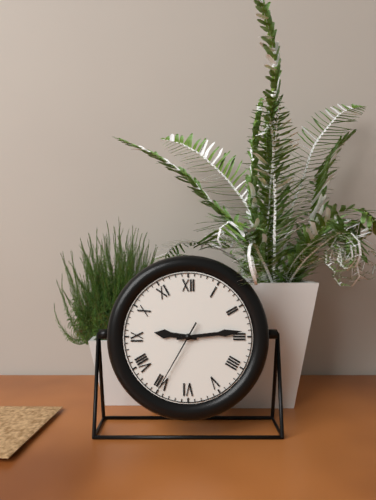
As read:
9.14.35
